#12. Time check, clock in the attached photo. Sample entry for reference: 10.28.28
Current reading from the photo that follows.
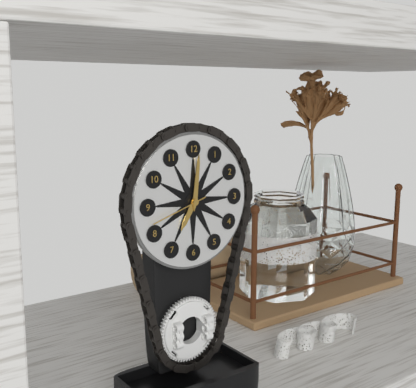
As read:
7.01.42
